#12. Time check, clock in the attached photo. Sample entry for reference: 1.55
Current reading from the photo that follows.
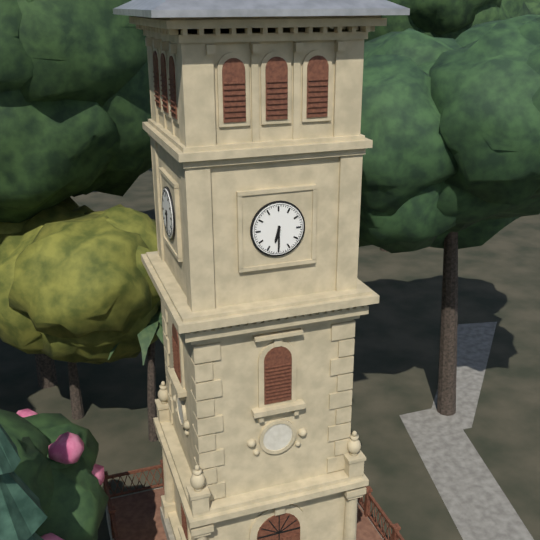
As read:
6.30
